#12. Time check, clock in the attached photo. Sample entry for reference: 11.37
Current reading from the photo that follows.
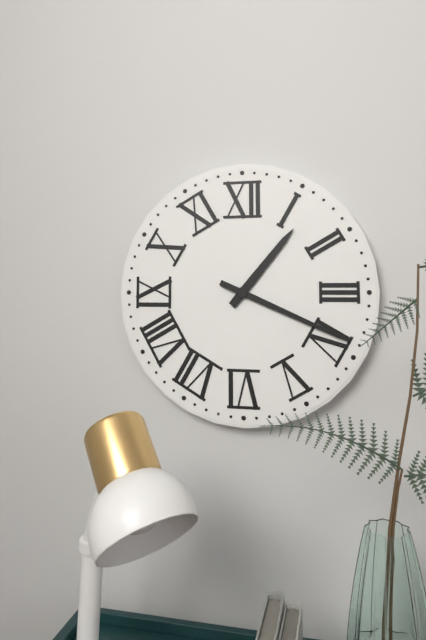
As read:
1.19
